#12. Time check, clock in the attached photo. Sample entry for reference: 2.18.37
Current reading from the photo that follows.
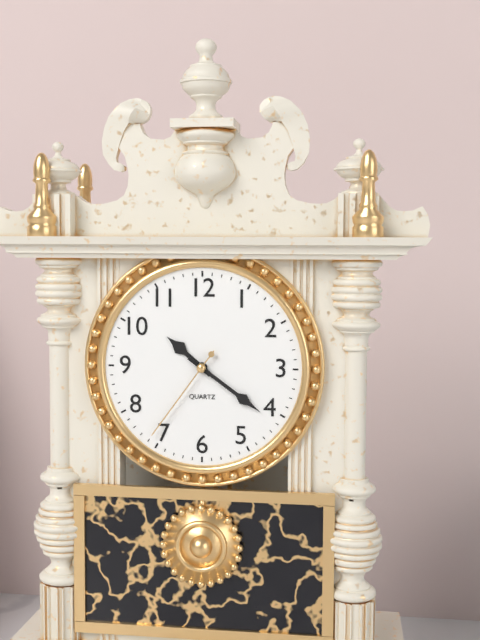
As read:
10.21.36
